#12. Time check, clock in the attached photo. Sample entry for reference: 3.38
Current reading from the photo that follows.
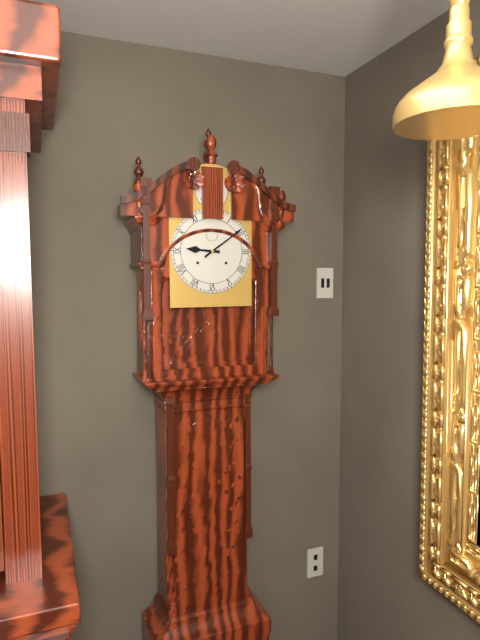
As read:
9.09
